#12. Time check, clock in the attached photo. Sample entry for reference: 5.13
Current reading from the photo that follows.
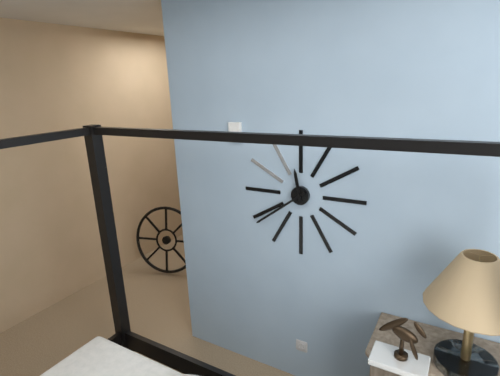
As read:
11.39
